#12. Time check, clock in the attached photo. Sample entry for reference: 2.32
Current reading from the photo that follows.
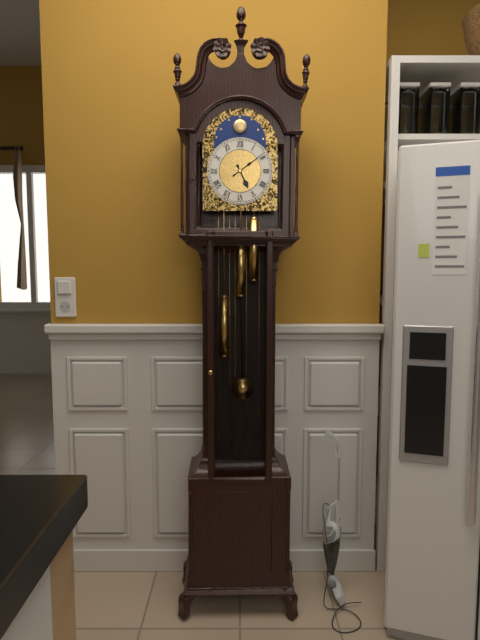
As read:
5.09
